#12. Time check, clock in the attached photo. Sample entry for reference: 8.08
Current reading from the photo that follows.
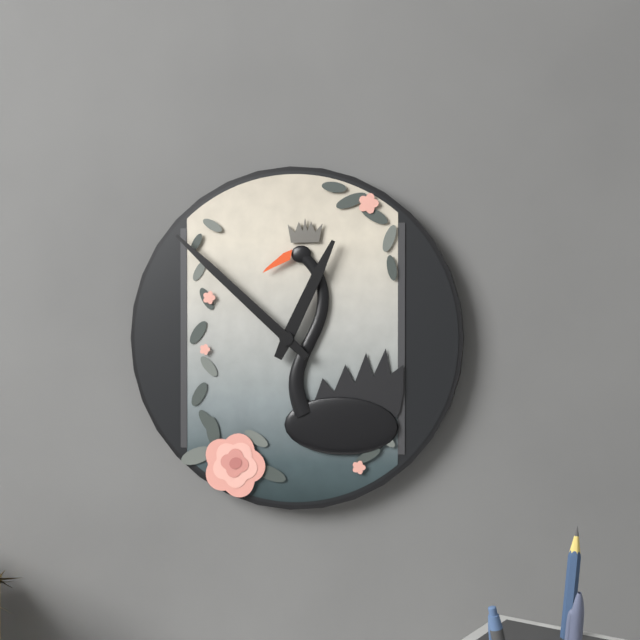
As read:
12.52
